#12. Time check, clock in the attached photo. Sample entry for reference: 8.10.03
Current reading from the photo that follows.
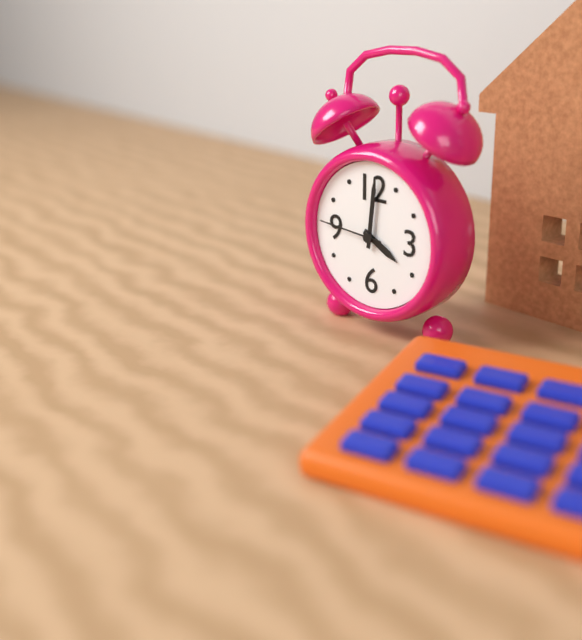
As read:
4.01.46
